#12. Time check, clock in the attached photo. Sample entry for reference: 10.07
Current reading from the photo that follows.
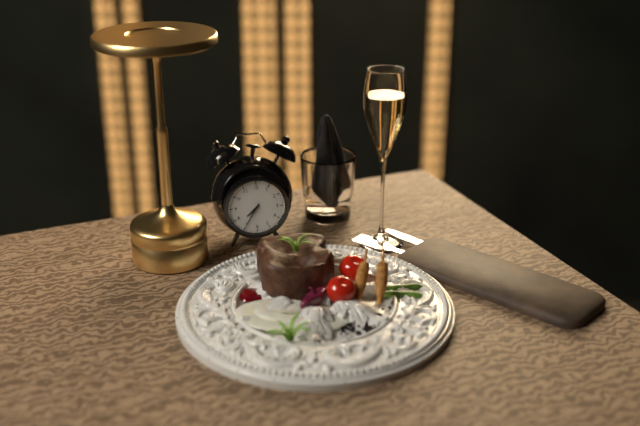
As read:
7.35
